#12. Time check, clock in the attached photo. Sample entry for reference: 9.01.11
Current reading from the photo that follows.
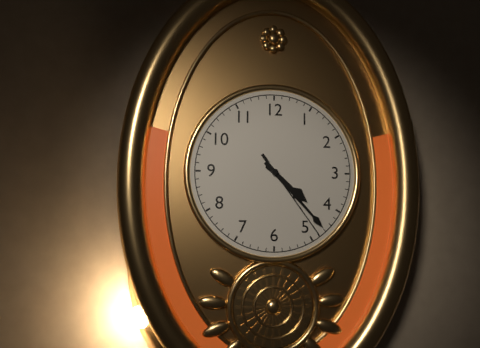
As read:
4.23.24
